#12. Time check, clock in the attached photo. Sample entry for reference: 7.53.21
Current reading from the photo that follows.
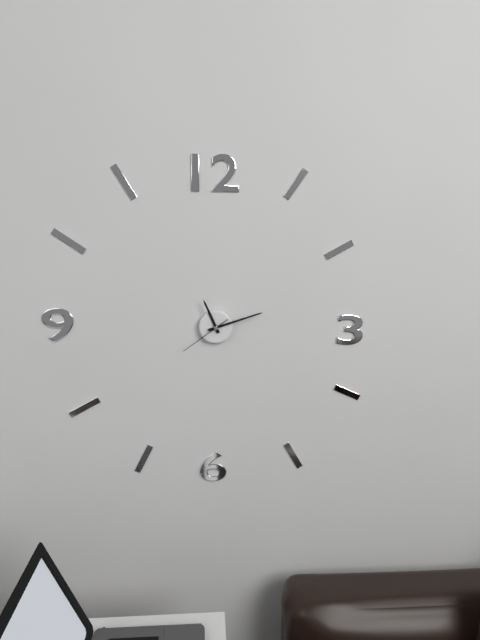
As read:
11.12.39
